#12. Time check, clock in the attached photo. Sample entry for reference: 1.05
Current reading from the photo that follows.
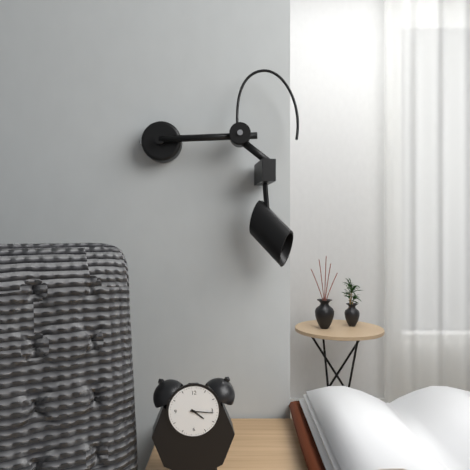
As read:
4.16
